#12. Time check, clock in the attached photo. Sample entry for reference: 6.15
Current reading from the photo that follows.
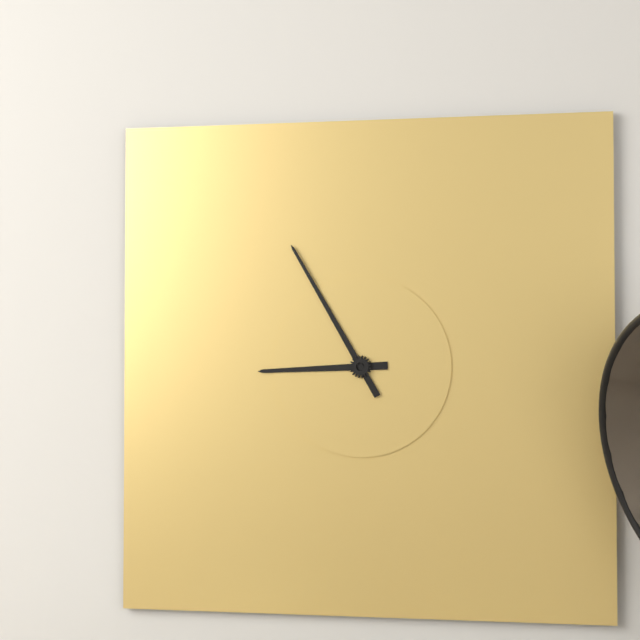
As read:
8.55
